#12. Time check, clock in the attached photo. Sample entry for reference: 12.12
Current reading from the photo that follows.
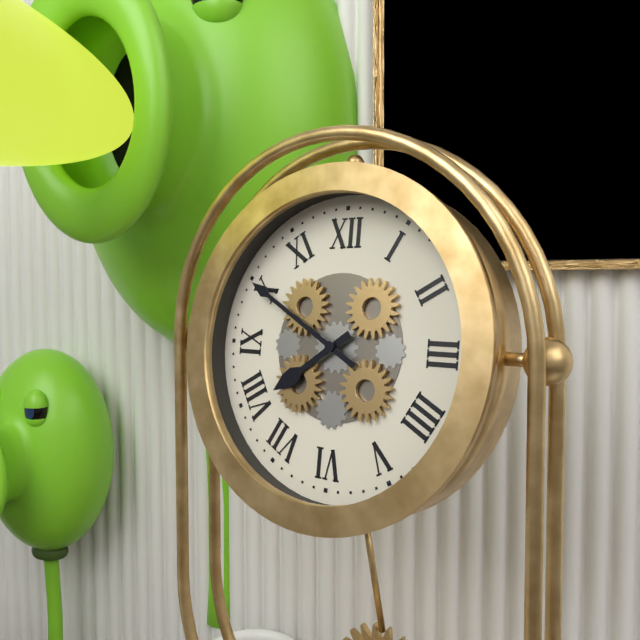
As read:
7.50
